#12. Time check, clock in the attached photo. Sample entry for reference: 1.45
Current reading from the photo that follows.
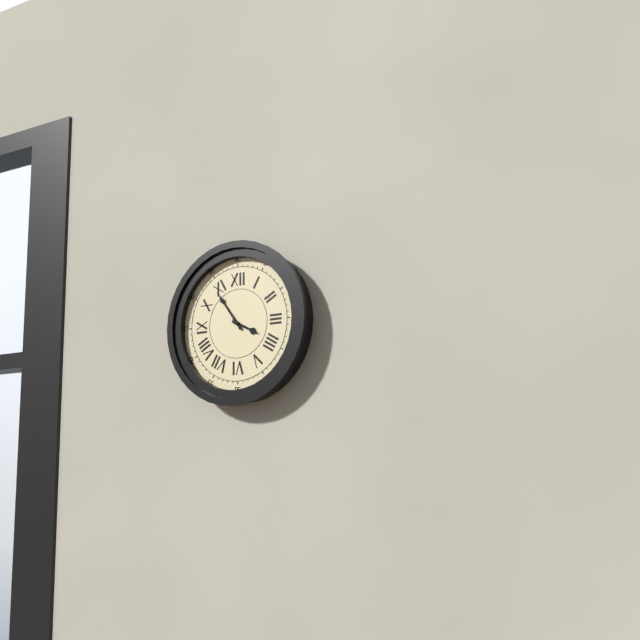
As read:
3.54
